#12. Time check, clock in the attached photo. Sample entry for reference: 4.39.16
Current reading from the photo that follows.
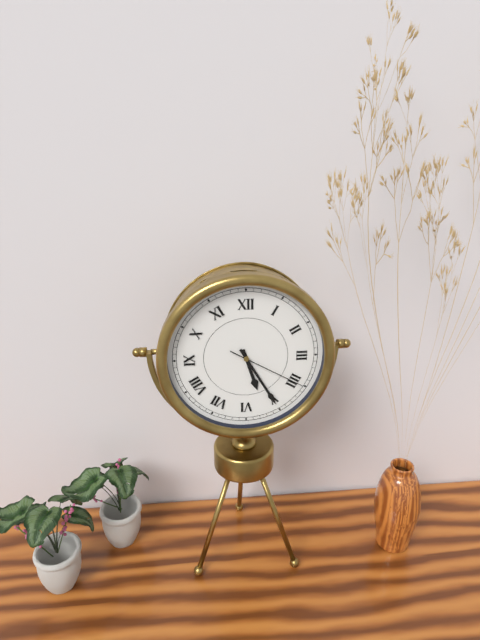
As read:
5.25.20
